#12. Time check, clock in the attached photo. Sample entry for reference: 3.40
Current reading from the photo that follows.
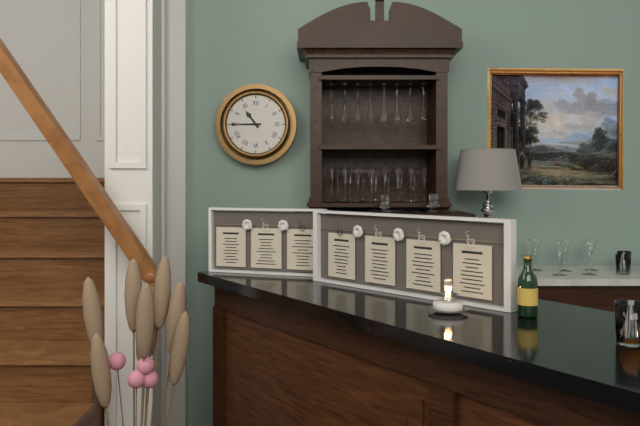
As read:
10.45
